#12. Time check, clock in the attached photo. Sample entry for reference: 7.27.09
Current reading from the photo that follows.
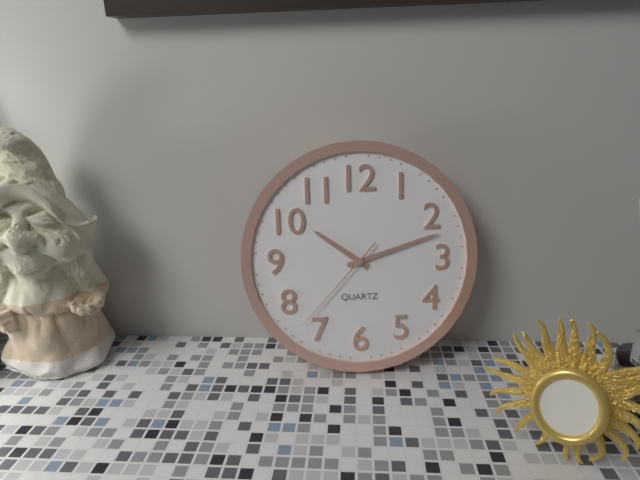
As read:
10.12.37
